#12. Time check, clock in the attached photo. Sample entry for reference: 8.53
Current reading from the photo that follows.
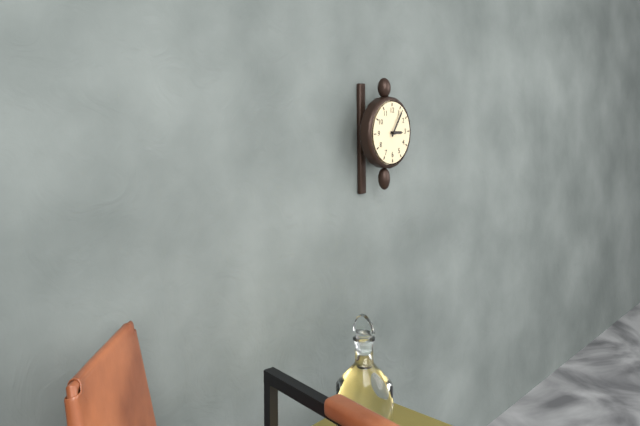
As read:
3.06
